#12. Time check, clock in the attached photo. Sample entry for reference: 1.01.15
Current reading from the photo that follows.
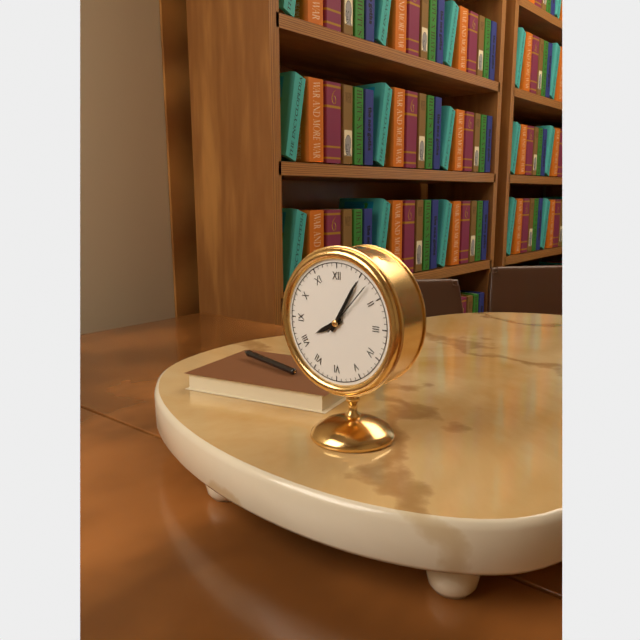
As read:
8.05.07
